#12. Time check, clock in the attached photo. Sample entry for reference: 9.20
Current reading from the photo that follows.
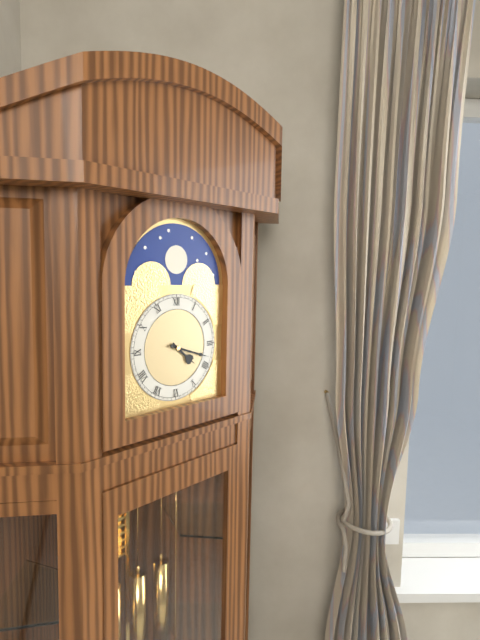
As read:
4.18
